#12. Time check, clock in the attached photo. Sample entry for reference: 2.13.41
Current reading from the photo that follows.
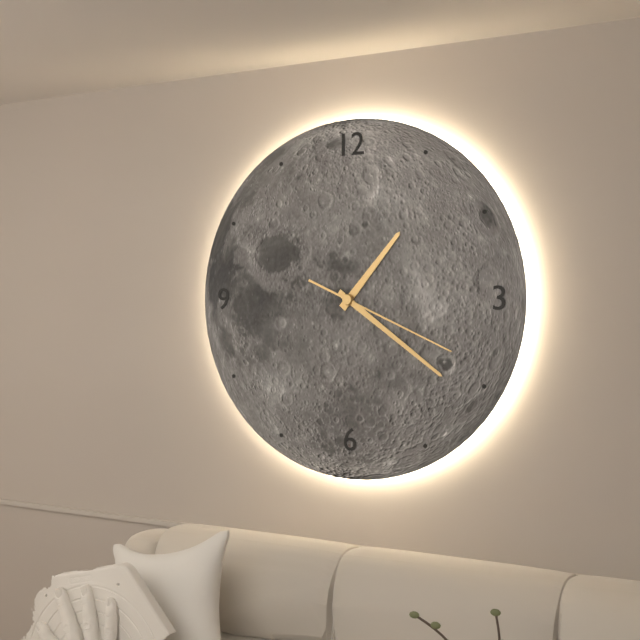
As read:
1.21.19
